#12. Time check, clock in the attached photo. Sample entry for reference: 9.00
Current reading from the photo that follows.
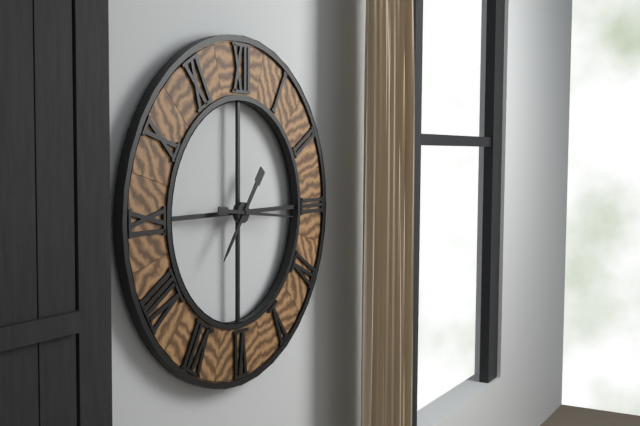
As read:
7.16
